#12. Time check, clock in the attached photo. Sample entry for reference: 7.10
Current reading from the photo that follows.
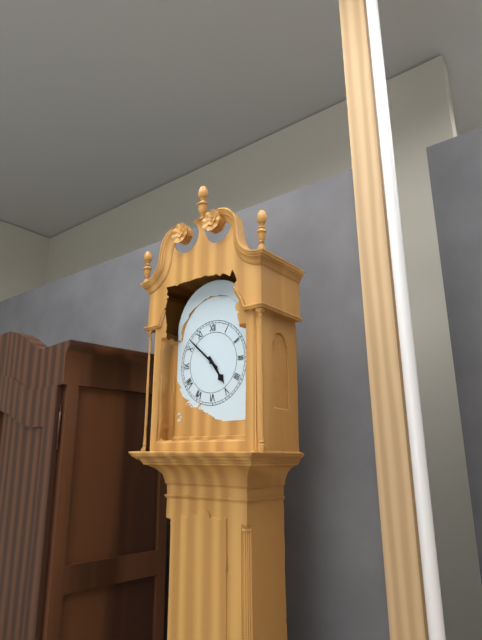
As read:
4.52
